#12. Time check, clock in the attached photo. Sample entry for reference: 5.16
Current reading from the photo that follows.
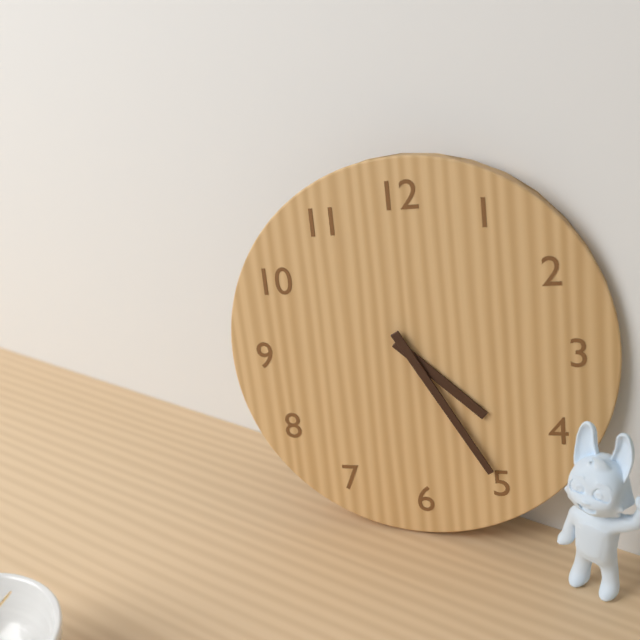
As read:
4.25
